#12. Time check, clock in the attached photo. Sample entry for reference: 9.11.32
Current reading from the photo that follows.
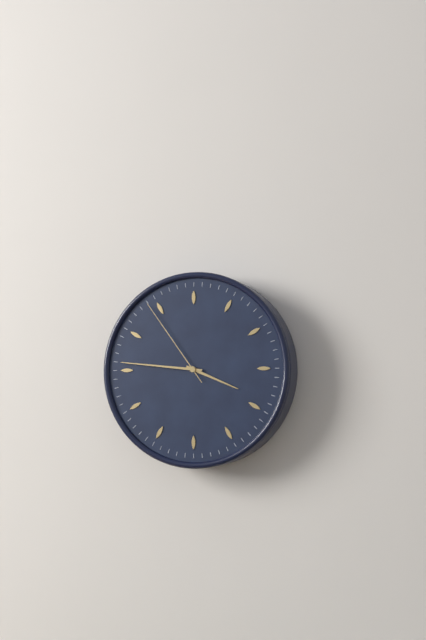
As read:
3.46.54
